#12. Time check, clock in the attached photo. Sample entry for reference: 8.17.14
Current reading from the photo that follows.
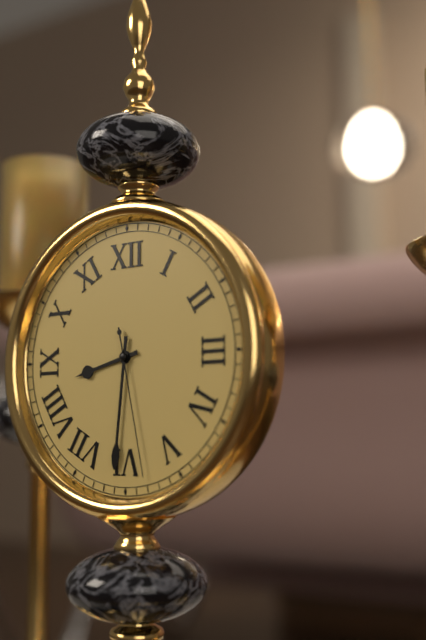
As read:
8.31.28
